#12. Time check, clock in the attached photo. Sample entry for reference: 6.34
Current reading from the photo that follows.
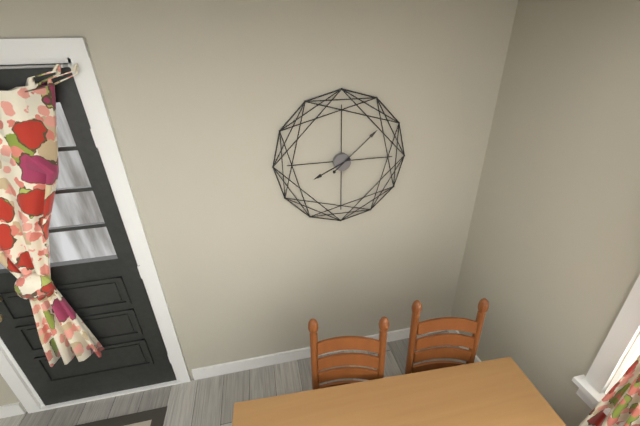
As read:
8.08
